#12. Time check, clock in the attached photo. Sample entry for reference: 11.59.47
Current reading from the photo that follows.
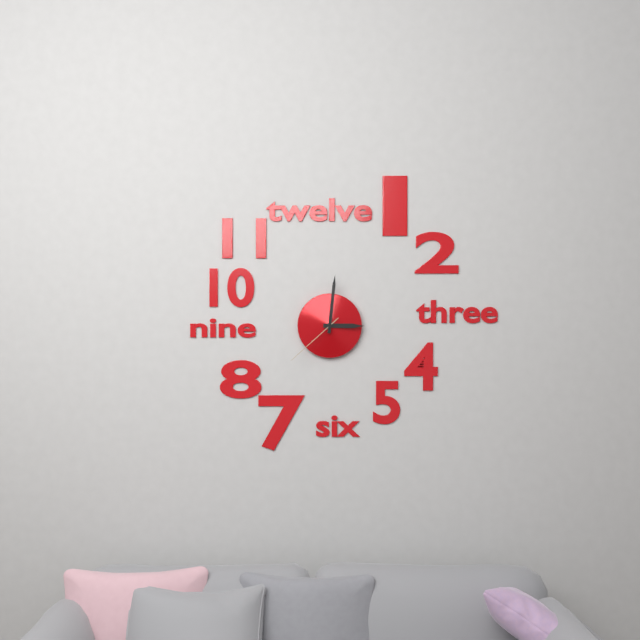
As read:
3.01.38
